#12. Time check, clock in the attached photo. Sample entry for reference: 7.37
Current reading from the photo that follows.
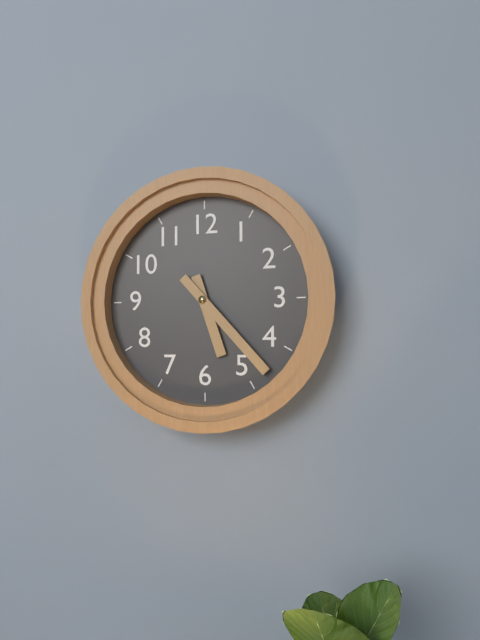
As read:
5.23
